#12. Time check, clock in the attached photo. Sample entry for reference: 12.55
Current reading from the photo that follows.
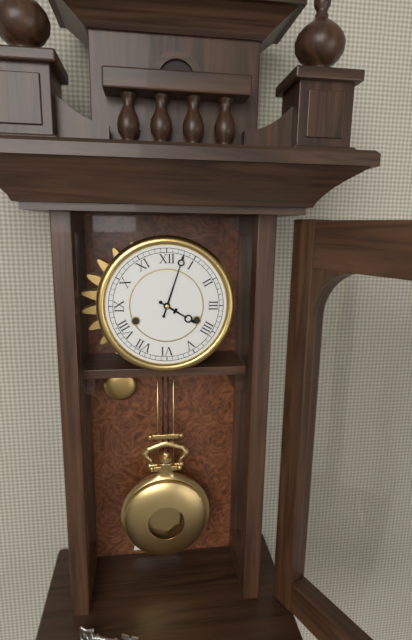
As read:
4.03
